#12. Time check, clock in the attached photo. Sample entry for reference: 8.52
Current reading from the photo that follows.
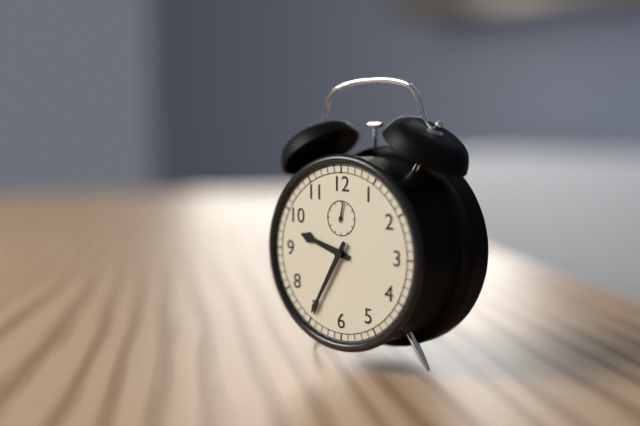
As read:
9.35
